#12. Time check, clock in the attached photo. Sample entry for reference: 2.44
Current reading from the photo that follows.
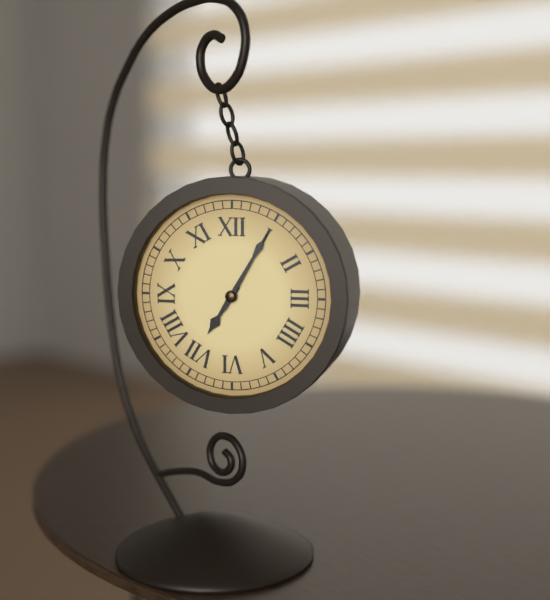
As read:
7.05
